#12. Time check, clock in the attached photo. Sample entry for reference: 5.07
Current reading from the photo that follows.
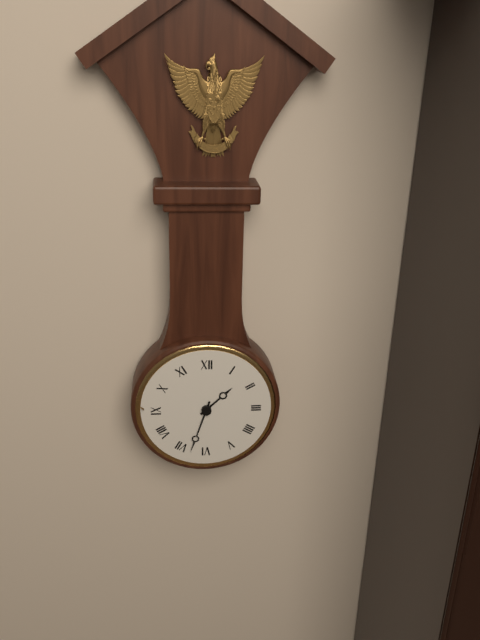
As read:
1.33
